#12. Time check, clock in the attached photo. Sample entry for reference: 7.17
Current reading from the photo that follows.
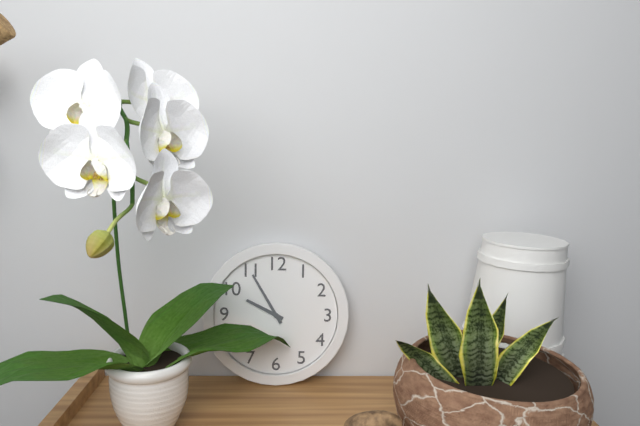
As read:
9.55
